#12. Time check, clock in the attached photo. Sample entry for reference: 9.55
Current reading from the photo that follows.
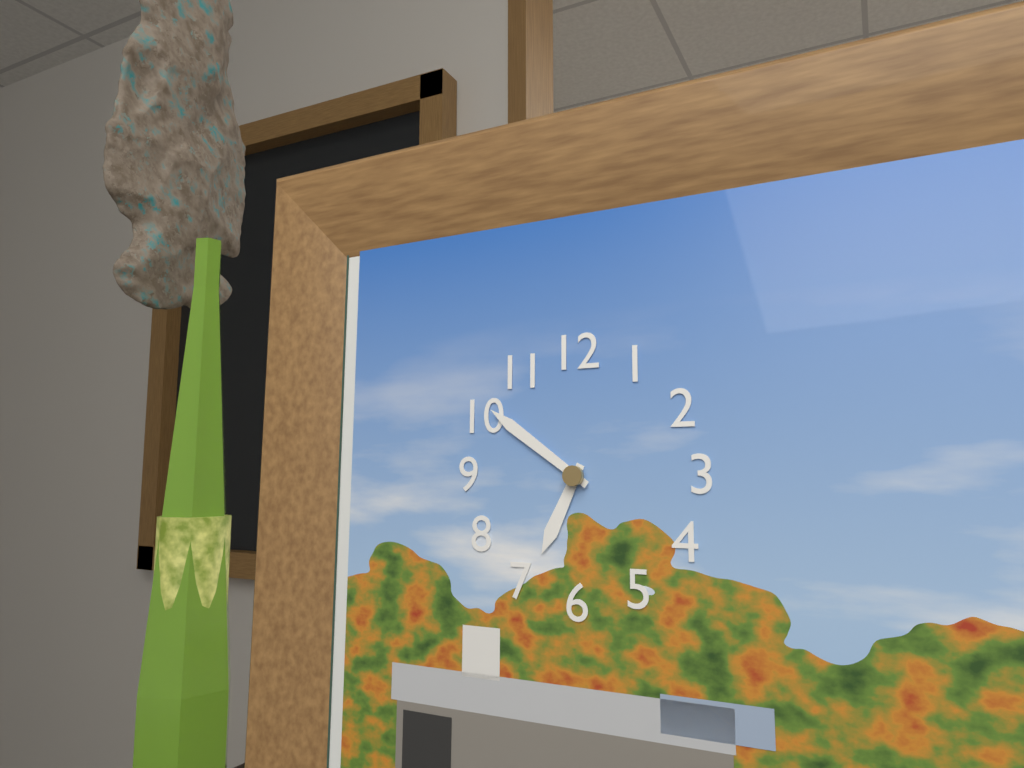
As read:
6.51
